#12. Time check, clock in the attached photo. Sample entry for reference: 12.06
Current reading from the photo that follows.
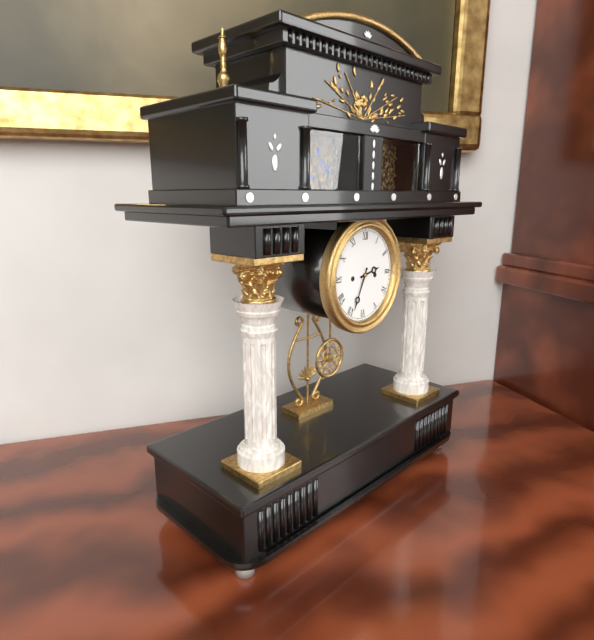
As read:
2.34
